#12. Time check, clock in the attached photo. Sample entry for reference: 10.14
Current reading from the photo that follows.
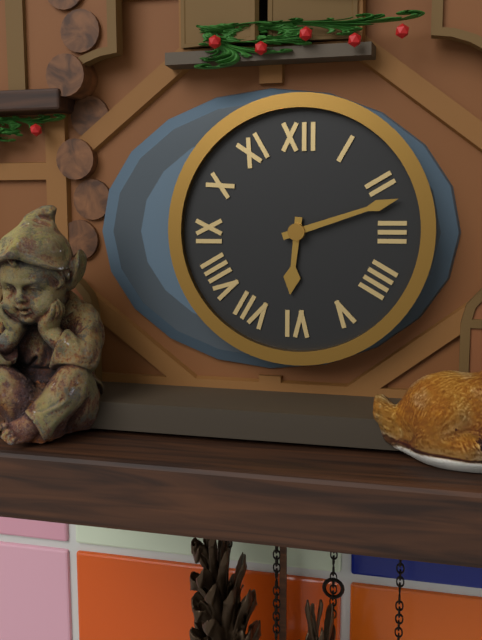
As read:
6.12
